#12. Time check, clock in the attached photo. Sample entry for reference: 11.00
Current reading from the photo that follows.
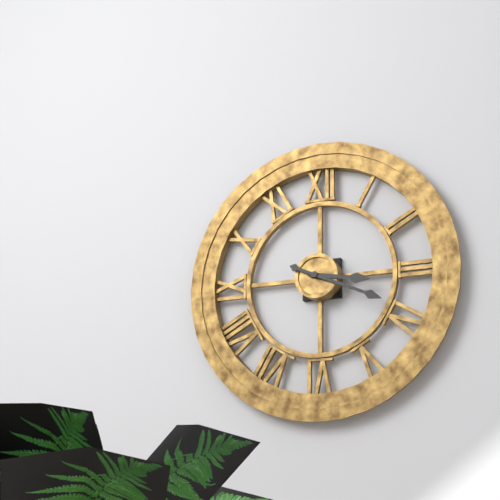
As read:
3.19
